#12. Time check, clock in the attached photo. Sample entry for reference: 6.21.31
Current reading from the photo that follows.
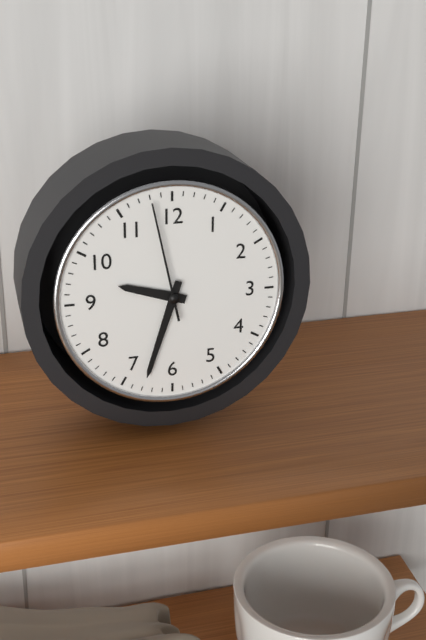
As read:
9.33.58
